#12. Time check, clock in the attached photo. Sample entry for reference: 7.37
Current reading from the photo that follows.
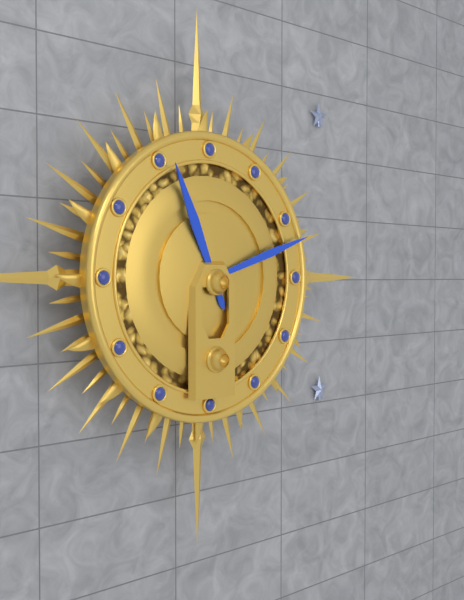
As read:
11.12
